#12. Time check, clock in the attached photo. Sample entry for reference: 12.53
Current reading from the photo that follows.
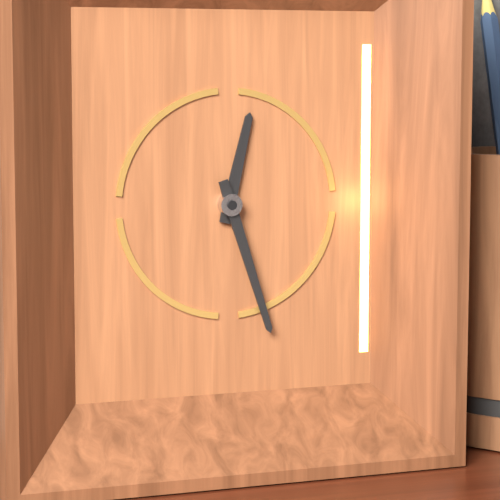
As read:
12.27
